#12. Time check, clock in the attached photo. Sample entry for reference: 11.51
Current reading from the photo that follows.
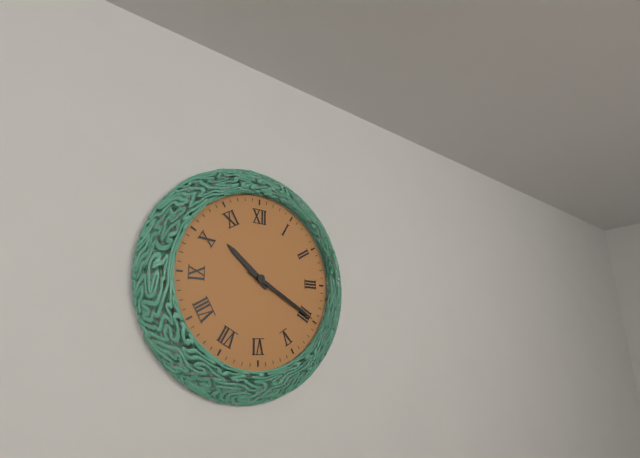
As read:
10.20
